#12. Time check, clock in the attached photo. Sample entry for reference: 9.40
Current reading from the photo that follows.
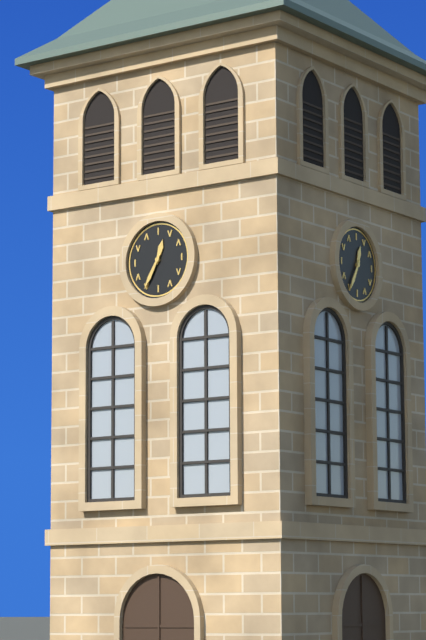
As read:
12.35
